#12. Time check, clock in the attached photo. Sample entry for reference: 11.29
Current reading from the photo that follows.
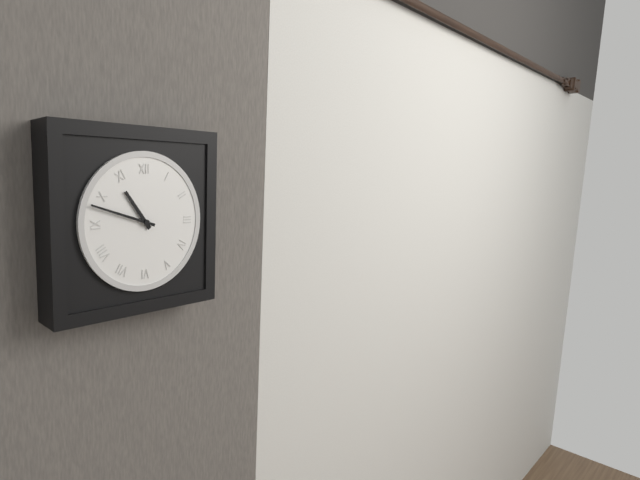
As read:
10.48
